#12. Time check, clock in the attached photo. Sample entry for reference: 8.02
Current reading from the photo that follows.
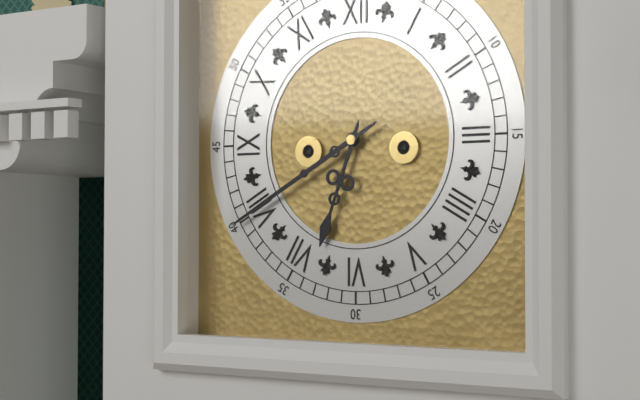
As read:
6.40
